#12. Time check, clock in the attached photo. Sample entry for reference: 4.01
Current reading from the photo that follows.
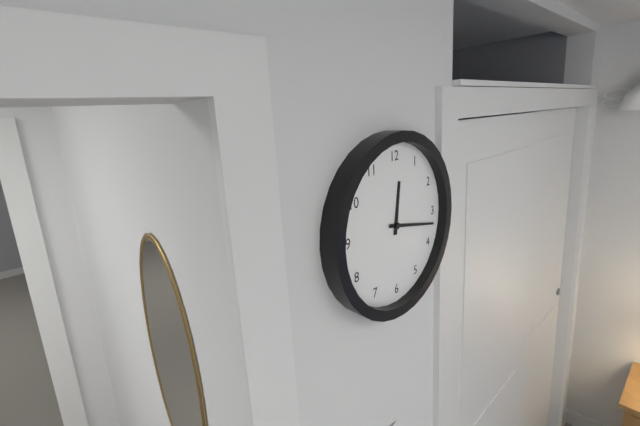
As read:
12.17
